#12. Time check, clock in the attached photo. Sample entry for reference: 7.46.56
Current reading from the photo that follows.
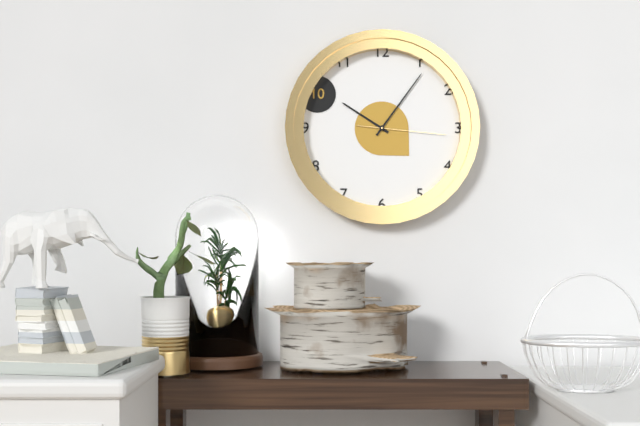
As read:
10.06.16
